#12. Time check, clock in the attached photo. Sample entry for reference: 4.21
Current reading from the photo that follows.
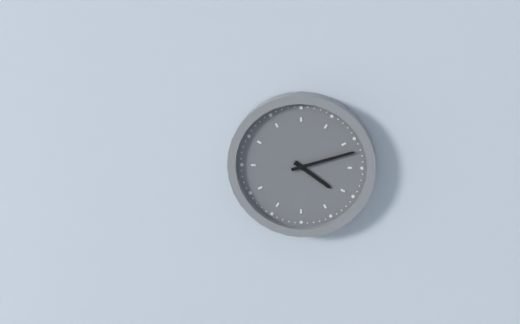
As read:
4.12
